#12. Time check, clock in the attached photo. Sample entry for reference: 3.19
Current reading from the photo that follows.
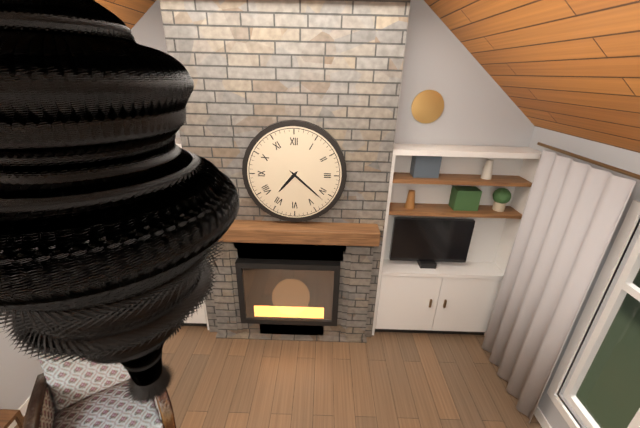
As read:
7.22
